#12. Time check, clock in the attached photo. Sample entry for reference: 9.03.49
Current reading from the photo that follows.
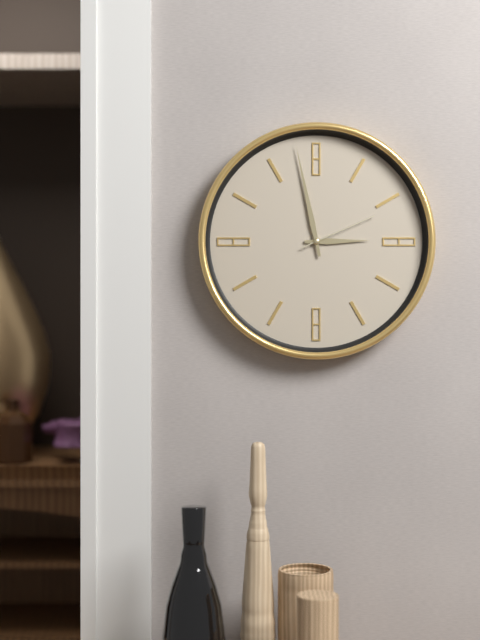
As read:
2.58.11
